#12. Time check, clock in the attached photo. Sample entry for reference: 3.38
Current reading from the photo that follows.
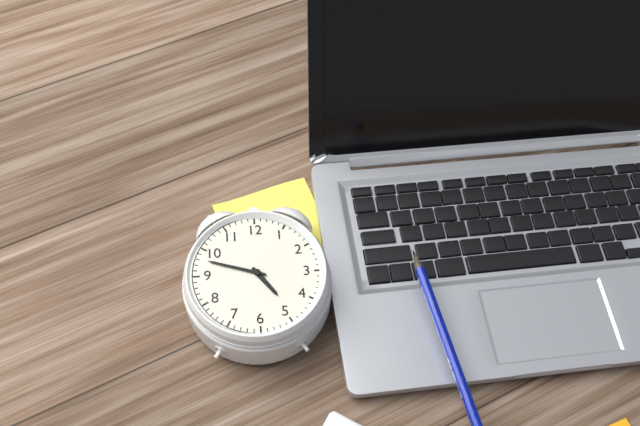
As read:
4.48
